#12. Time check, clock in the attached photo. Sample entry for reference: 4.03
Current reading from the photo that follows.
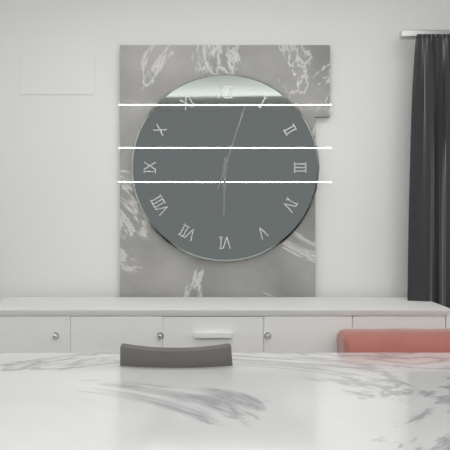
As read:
6.03
